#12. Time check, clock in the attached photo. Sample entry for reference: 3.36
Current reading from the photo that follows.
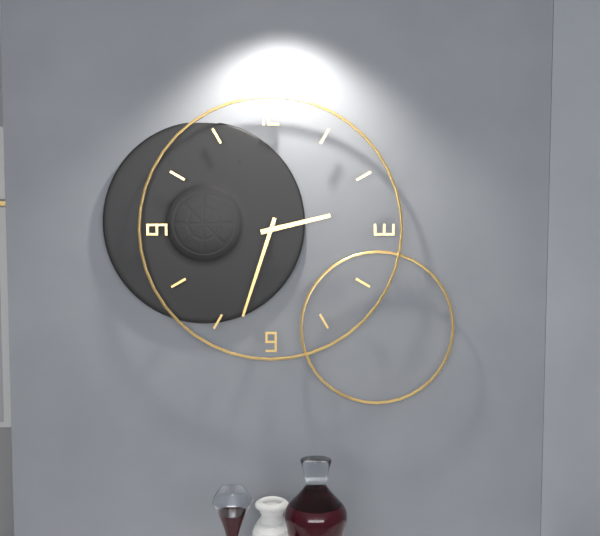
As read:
2.33
